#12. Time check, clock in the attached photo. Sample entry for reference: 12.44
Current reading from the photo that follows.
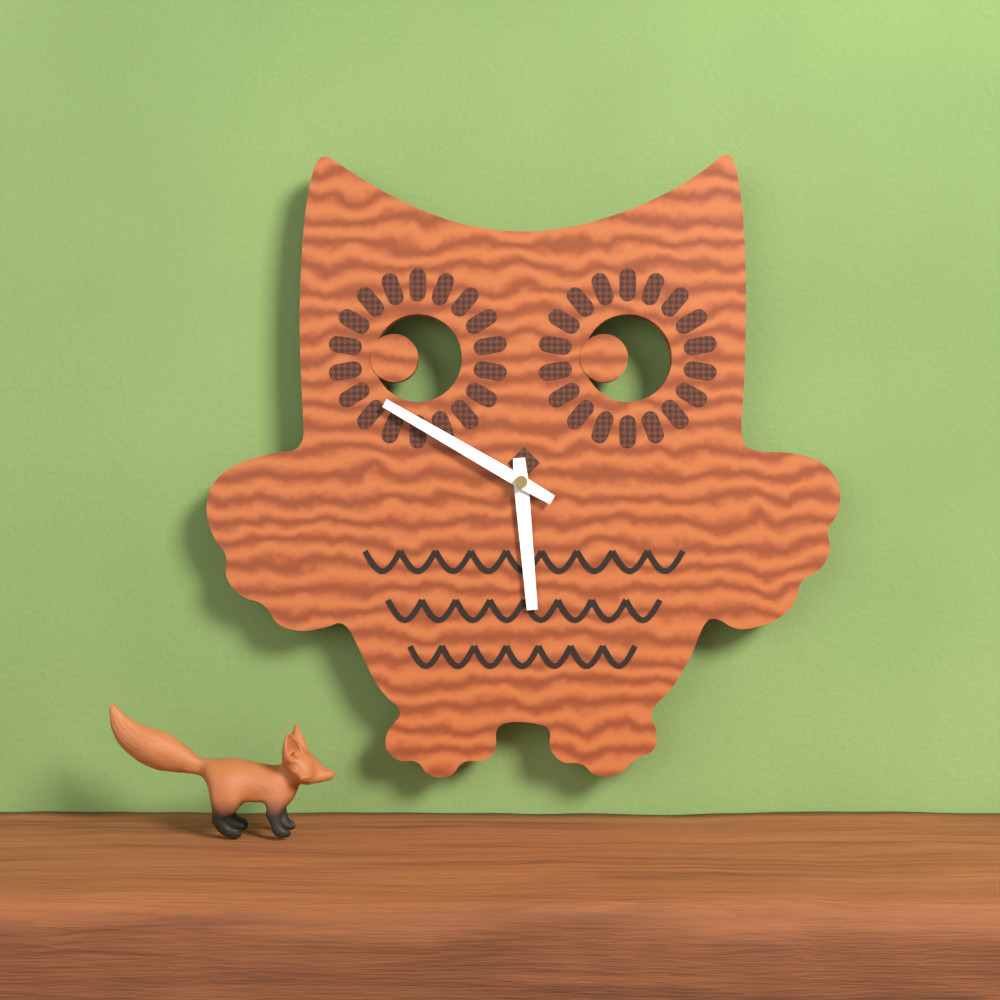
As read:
5.50
